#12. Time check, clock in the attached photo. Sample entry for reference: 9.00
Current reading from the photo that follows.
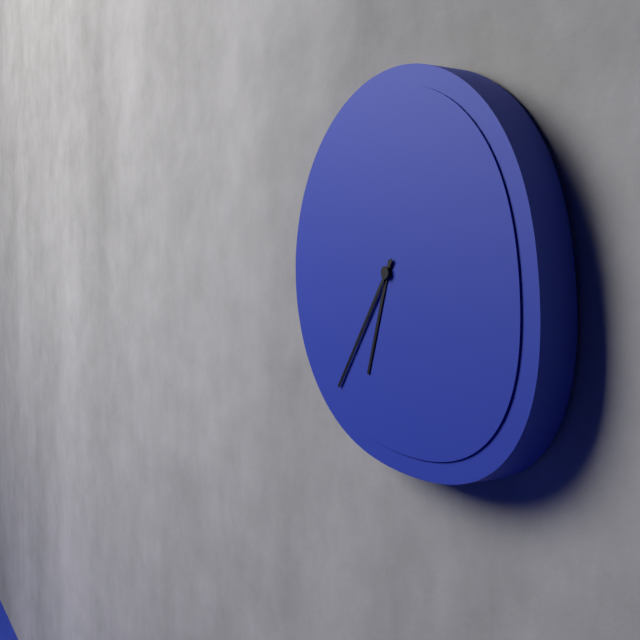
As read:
6.36
